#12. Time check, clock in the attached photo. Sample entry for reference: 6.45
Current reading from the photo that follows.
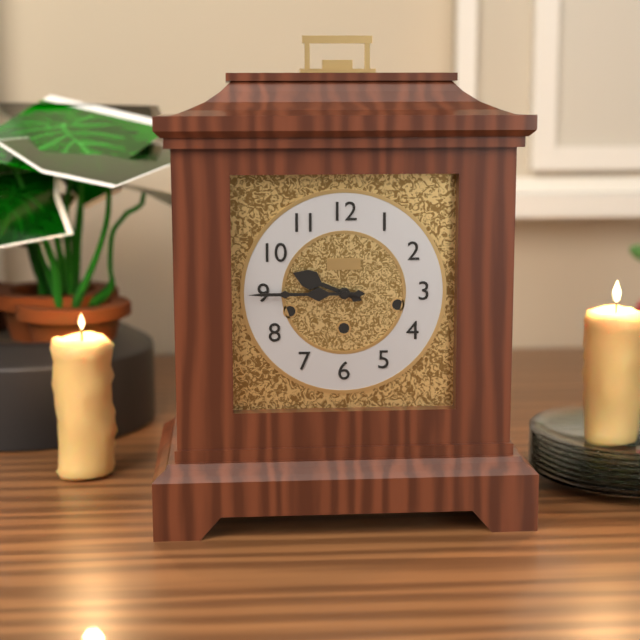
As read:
9.45
